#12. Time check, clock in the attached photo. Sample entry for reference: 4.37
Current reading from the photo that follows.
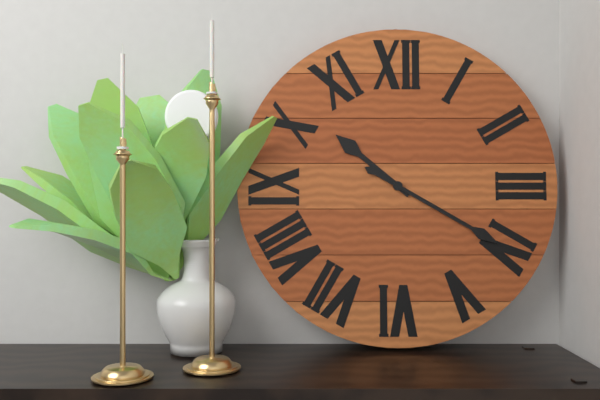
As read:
10.20
